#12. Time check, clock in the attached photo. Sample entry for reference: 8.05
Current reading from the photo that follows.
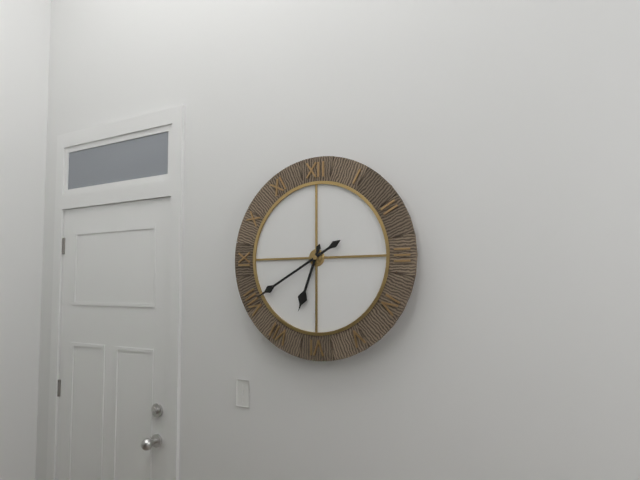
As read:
6.40
